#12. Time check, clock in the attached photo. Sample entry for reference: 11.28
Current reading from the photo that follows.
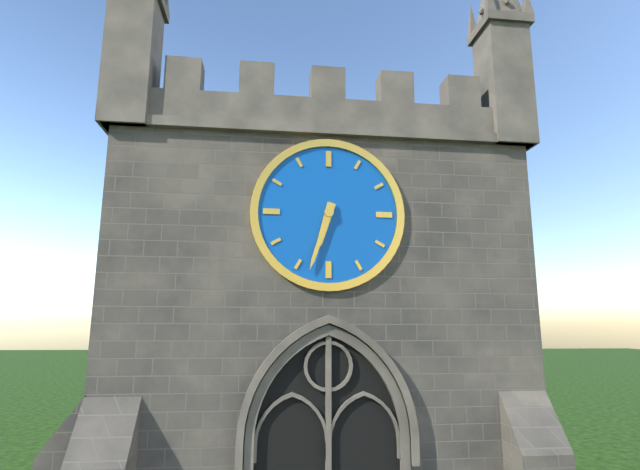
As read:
6.33
